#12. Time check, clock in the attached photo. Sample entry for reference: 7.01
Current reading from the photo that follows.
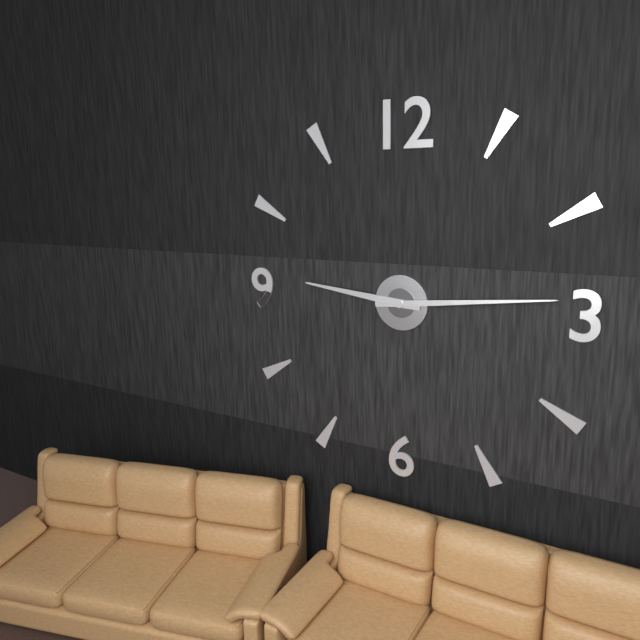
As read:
9.14
